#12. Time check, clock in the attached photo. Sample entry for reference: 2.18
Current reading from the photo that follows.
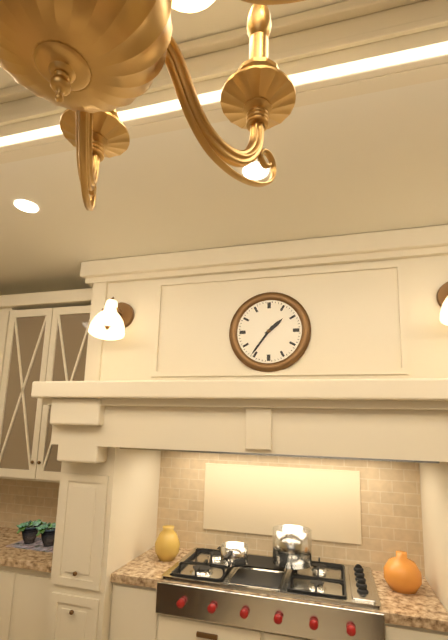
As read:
1.36
